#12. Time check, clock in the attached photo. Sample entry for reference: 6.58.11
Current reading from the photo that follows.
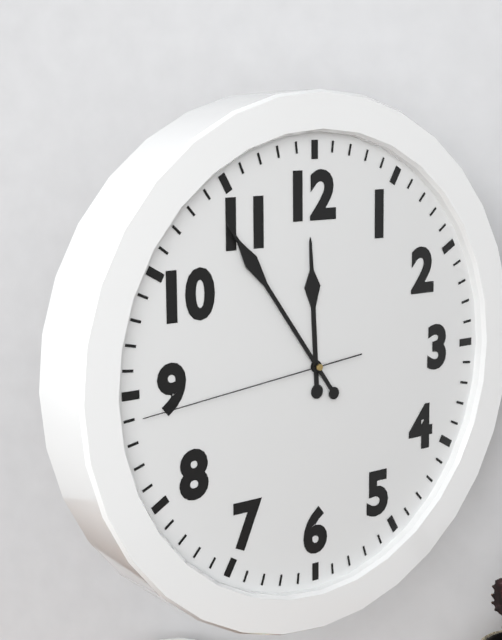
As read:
11.54.44
